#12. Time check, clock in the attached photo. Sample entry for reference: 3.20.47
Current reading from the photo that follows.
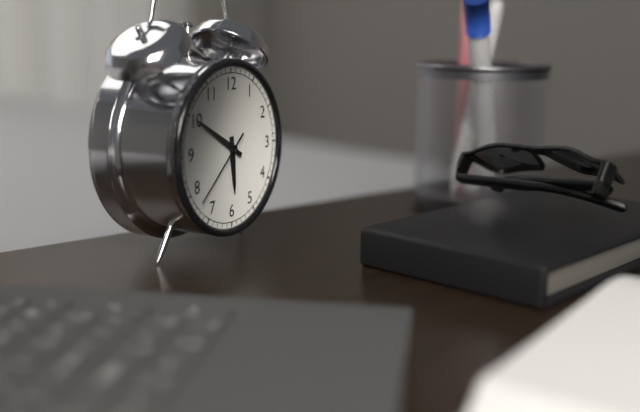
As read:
5.50.38
